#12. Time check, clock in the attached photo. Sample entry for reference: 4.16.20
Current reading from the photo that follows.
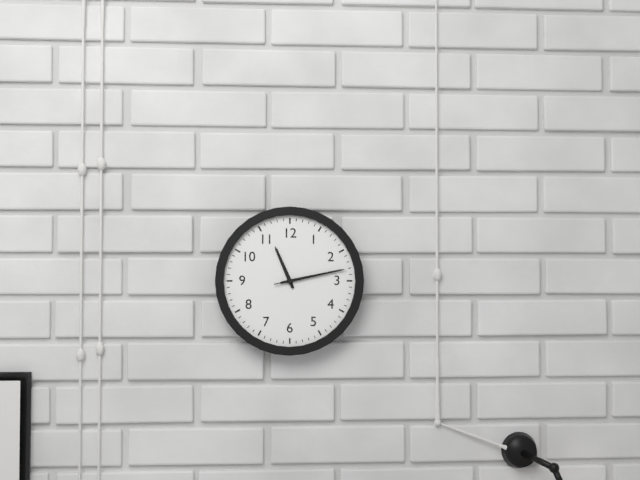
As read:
11.13.13
